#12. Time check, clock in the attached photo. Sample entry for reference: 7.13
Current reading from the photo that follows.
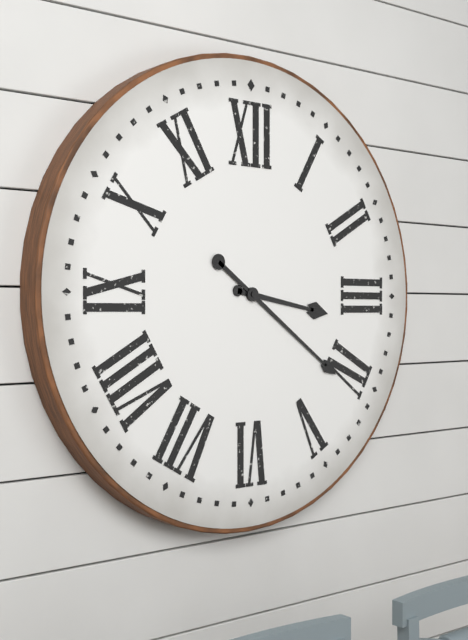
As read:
3.21
